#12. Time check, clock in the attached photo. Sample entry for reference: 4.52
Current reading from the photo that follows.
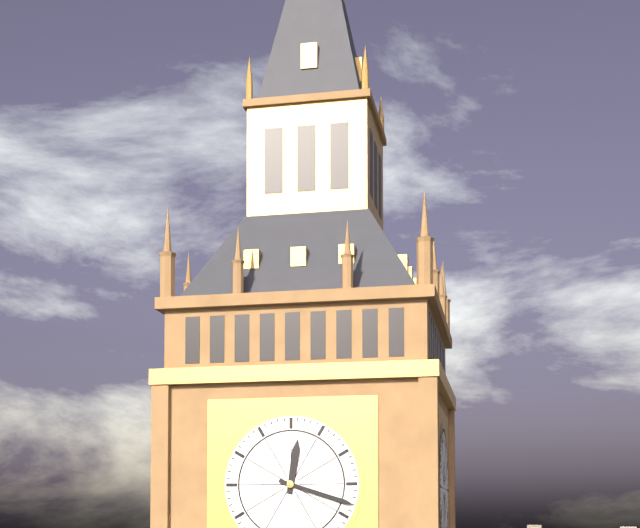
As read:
12.18
